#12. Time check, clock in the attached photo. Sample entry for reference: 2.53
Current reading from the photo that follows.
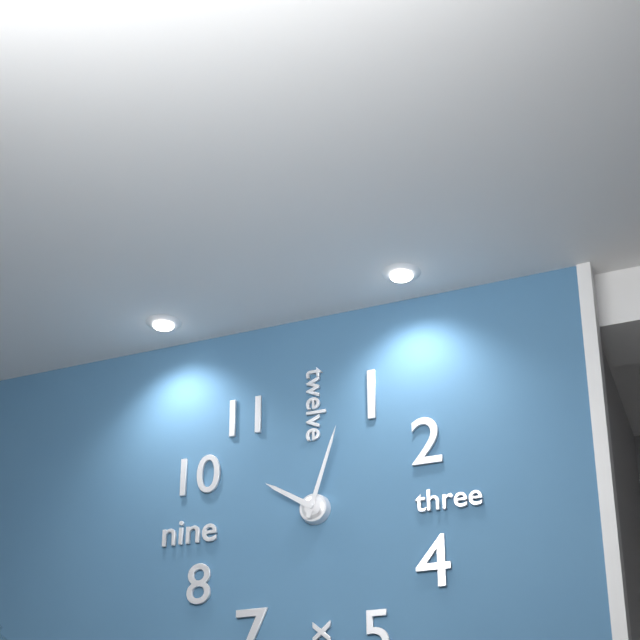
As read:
10.03
